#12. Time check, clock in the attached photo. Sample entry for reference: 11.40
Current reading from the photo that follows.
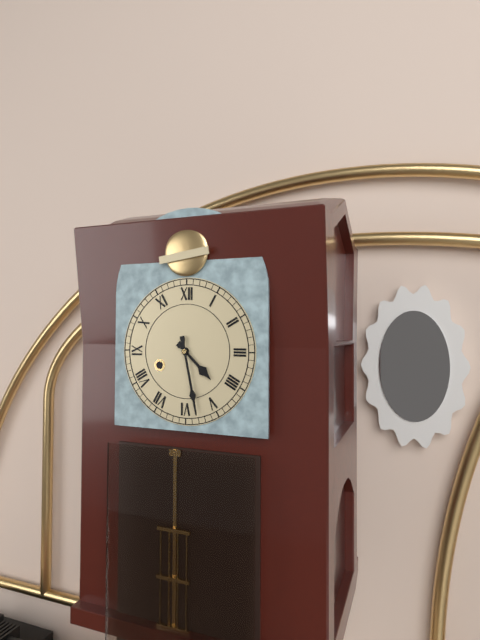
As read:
4.28
